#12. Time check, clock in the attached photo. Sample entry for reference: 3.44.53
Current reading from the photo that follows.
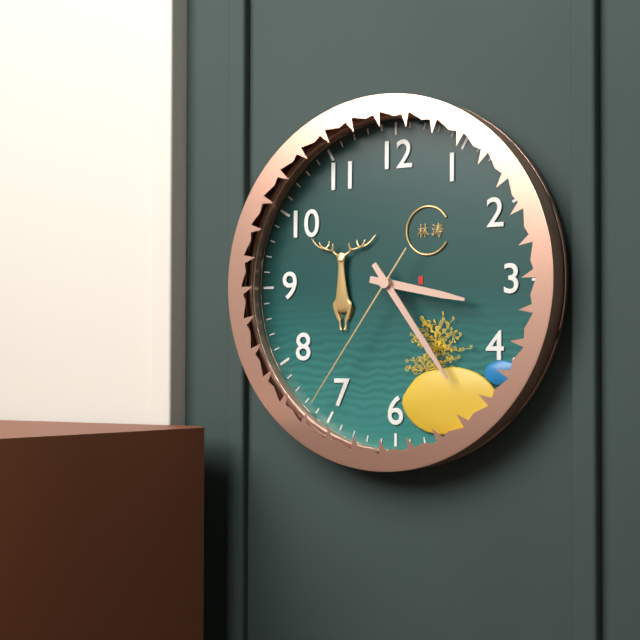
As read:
3.24.36
